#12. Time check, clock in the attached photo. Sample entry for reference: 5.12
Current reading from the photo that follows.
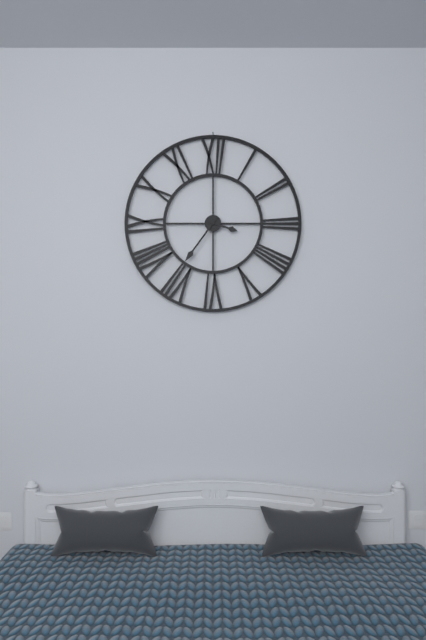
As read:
3.36
